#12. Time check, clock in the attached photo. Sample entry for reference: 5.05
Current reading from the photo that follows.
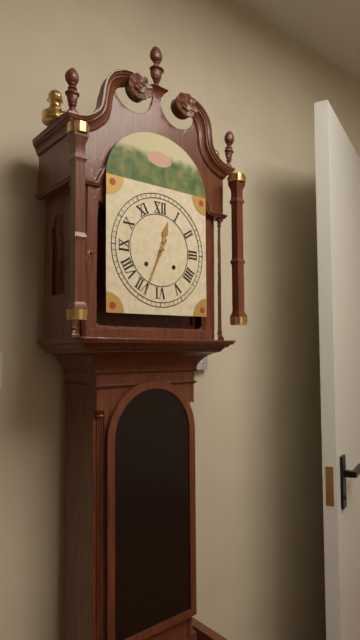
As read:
12.34
